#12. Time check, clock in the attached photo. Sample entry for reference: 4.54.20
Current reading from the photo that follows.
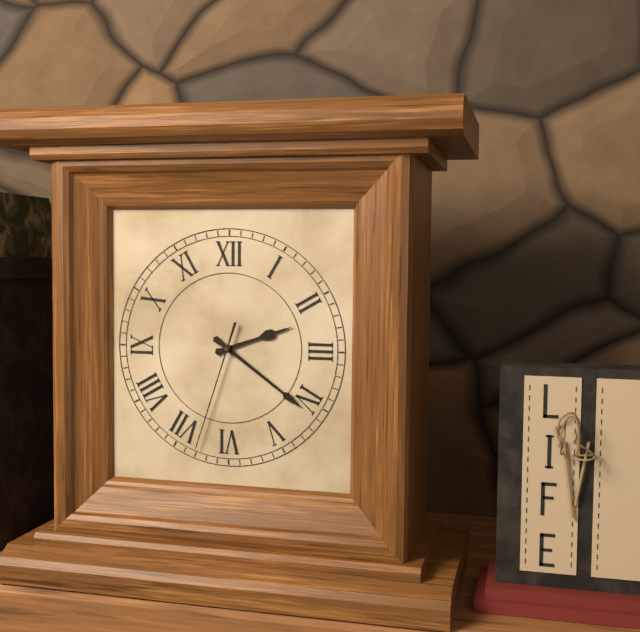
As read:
2.21.33
